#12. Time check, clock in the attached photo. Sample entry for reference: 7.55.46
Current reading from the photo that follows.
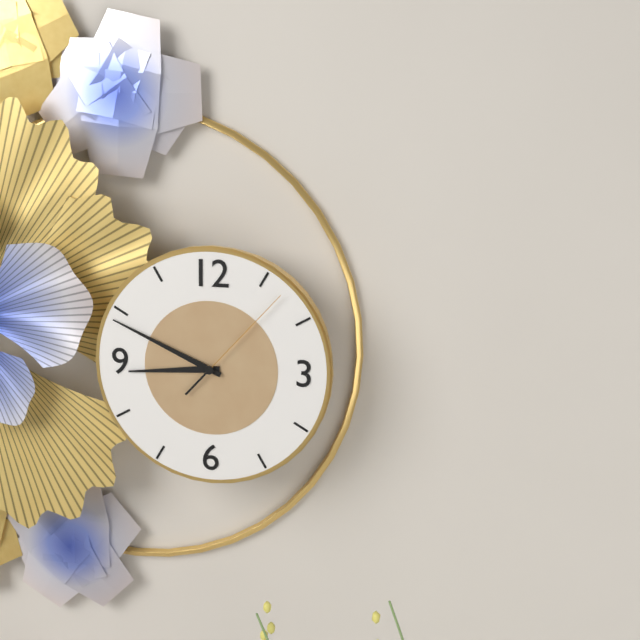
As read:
8.49.07
